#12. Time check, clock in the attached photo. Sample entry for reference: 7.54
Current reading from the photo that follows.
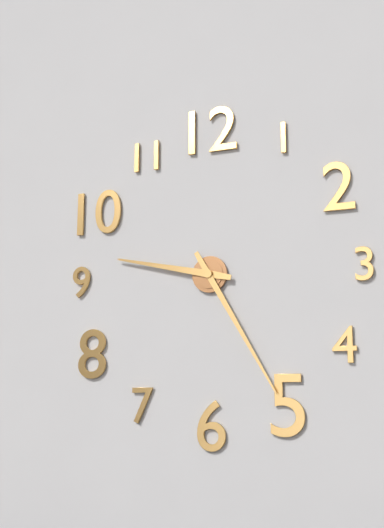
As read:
9.25
